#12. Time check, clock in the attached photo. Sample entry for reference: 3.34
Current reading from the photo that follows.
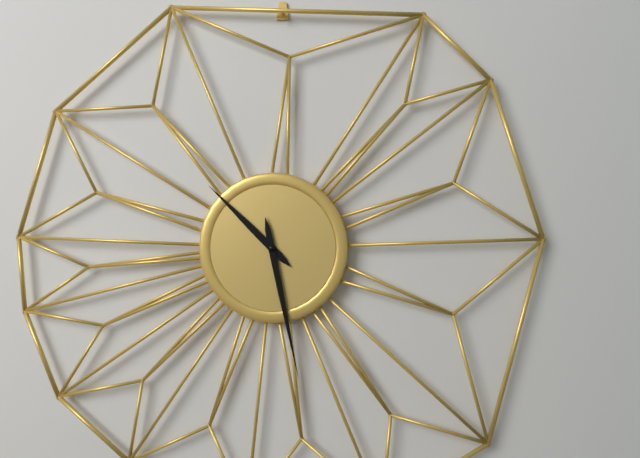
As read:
10.28
